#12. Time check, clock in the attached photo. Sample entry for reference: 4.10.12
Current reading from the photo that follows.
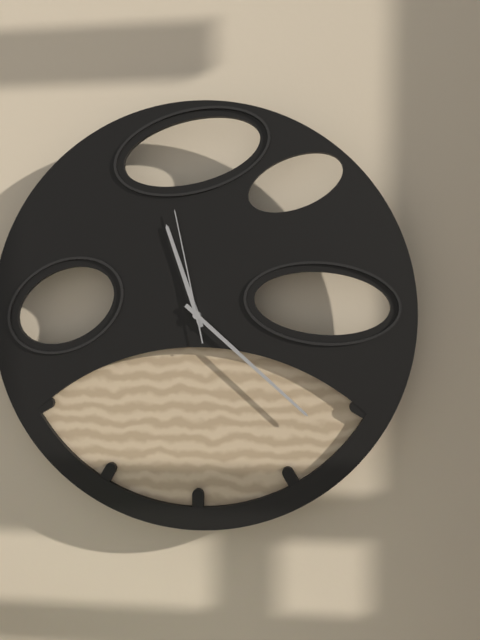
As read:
11.22.58
